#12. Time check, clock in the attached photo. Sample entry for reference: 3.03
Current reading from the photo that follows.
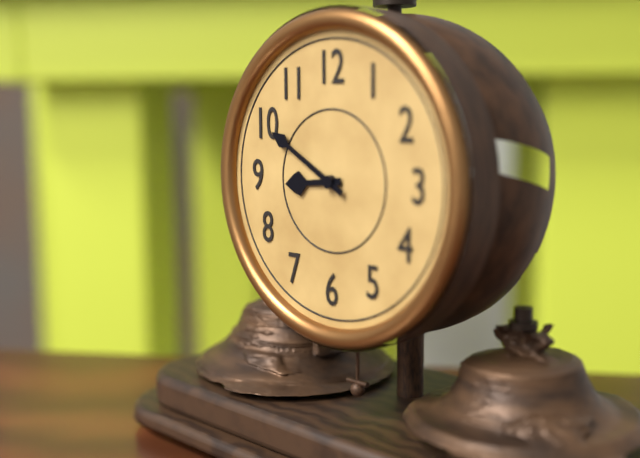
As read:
8.50
